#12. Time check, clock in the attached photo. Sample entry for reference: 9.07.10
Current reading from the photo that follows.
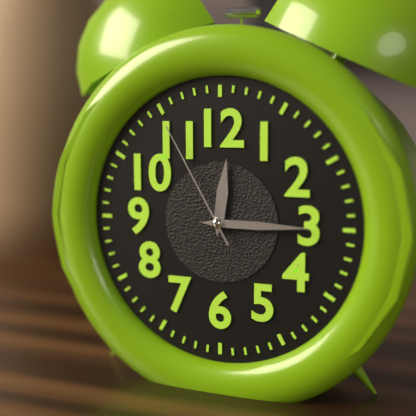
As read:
12.15.55
